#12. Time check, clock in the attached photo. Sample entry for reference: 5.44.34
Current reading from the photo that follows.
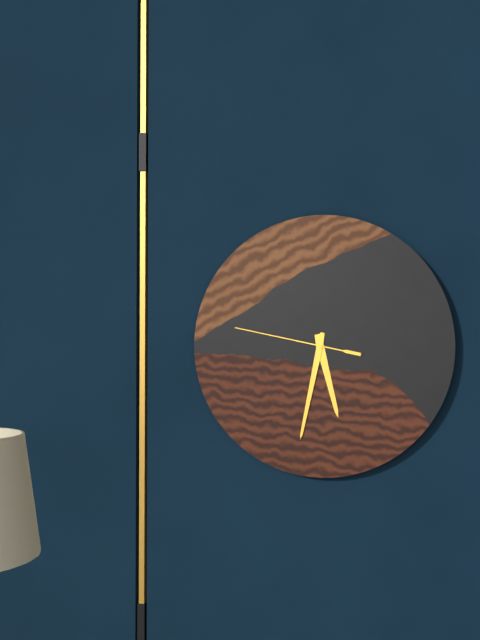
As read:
5.32.47
